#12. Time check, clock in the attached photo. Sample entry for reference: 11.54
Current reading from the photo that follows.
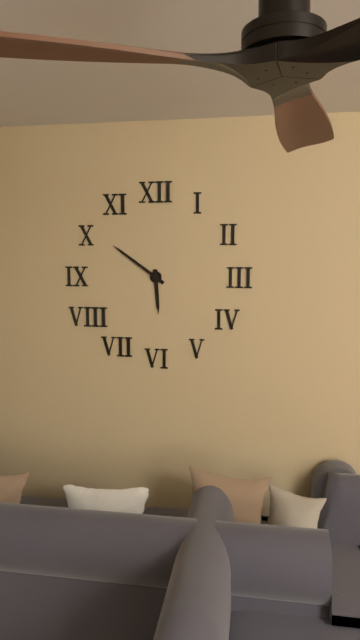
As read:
5.51
